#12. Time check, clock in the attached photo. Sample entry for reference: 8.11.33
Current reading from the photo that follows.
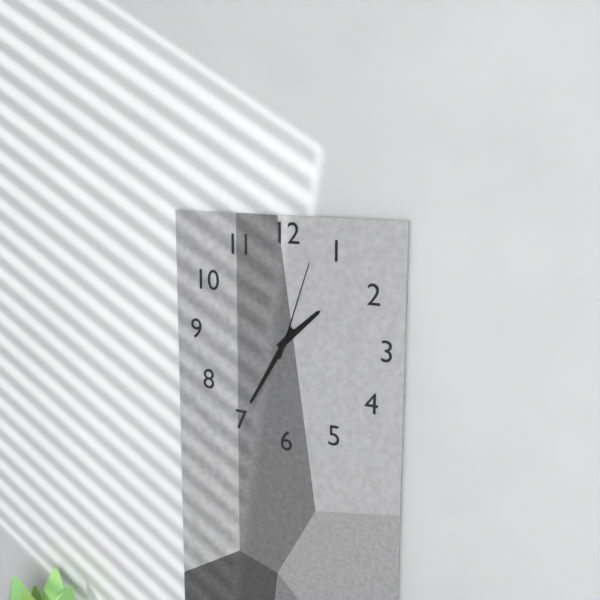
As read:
1.35.03
